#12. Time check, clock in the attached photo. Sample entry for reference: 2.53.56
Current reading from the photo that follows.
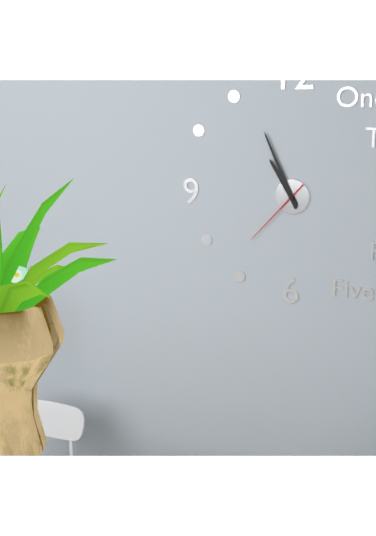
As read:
10.56.37
